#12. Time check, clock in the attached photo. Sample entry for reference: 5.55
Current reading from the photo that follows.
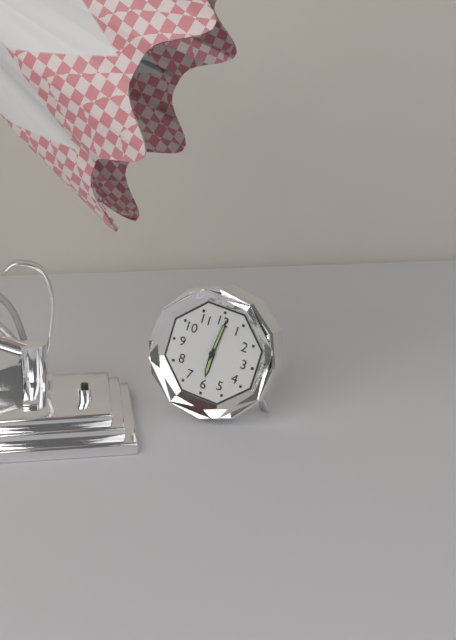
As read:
6.01
